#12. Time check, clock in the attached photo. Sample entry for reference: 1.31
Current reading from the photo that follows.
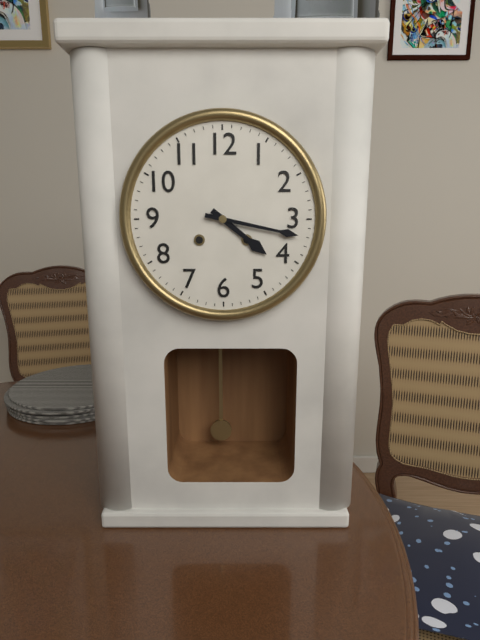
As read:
4.17
